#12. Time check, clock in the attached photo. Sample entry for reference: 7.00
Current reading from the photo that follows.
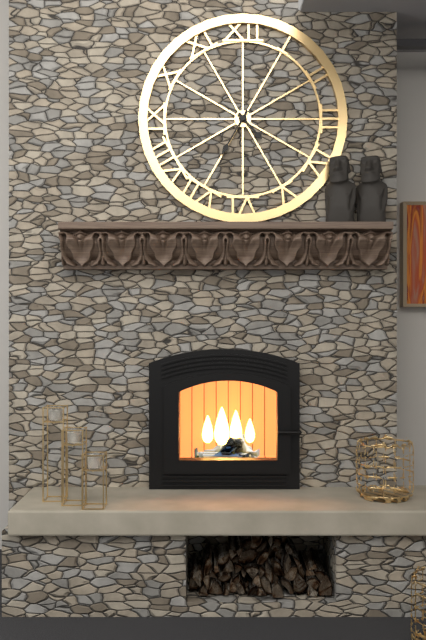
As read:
4.35
